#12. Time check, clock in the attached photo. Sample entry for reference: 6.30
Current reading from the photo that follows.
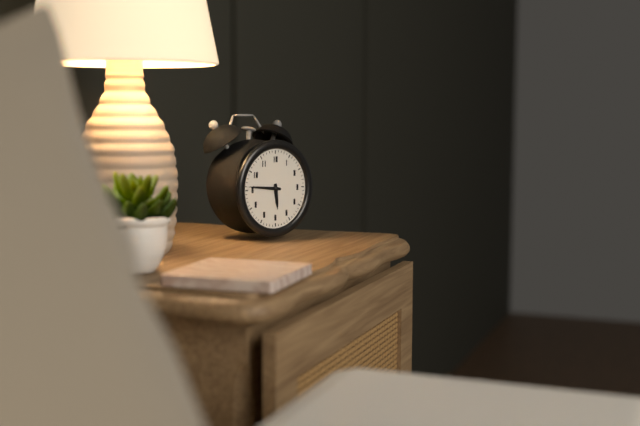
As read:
5.46
